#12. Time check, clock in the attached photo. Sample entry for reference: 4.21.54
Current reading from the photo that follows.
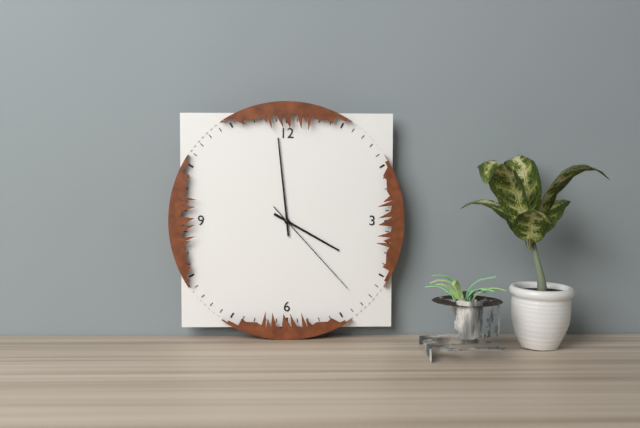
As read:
3.59.23
